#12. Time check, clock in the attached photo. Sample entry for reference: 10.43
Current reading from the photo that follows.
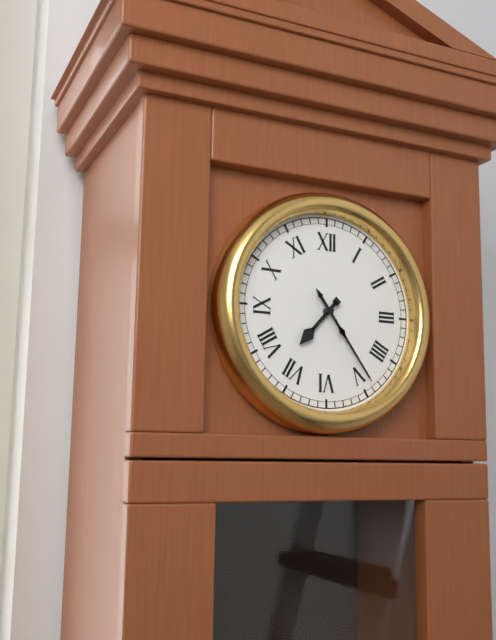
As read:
7.24
